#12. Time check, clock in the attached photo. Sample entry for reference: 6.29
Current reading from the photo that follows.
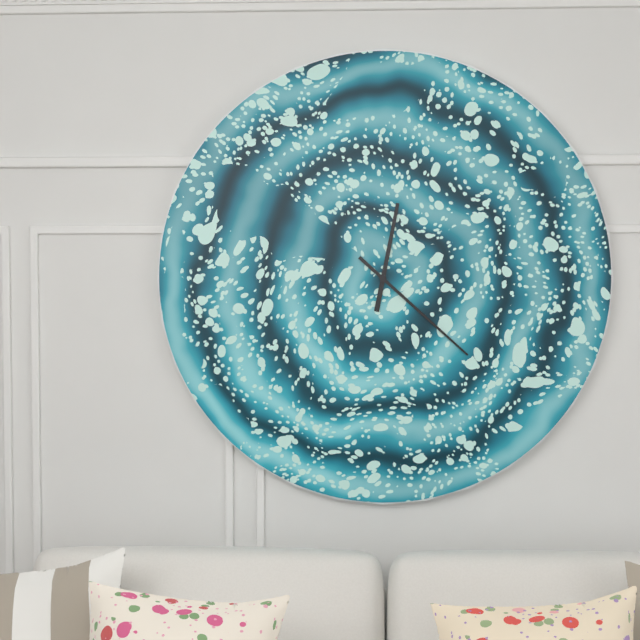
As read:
12.22
